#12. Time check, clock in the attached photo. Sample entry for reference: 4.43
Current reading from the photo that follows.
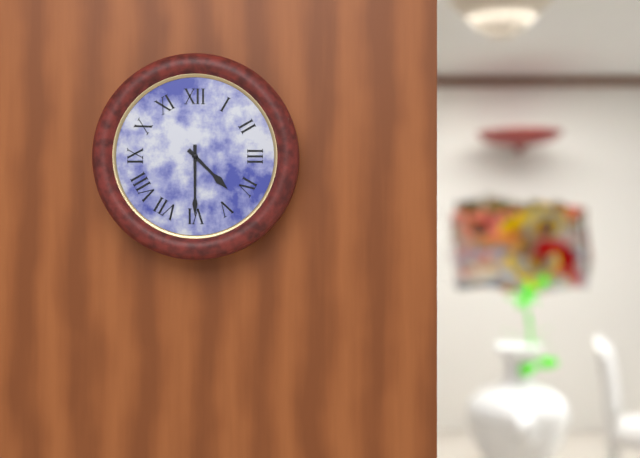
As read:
4.30
